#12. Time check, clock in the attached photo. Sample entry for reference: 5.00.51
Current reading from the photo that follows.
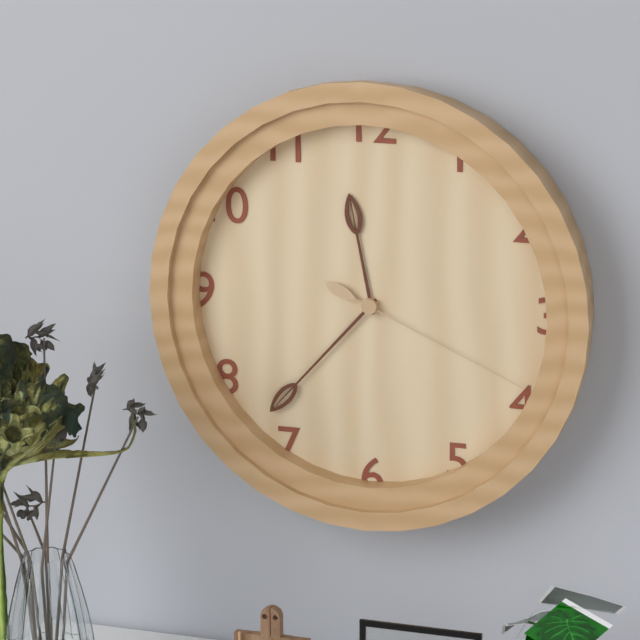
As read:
11.37.19
